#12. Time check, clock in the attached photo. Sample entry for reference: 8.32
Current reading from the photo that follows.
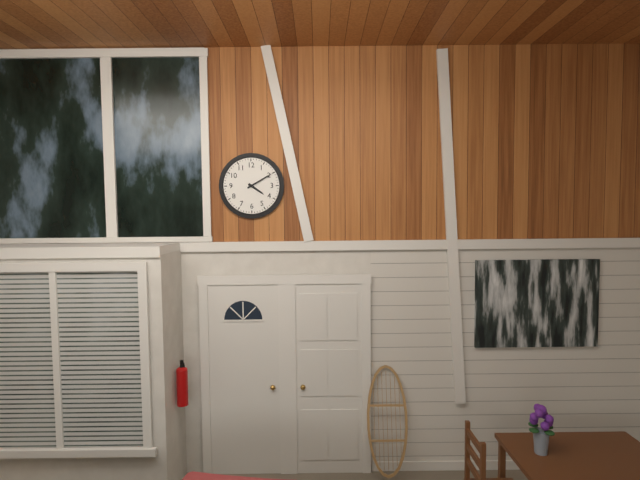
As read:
4.10
